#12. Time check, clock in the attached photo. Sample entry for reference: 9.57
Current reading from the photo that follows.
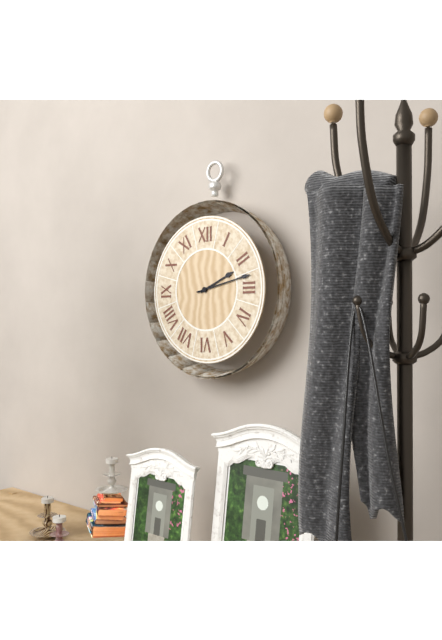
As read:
2.13
